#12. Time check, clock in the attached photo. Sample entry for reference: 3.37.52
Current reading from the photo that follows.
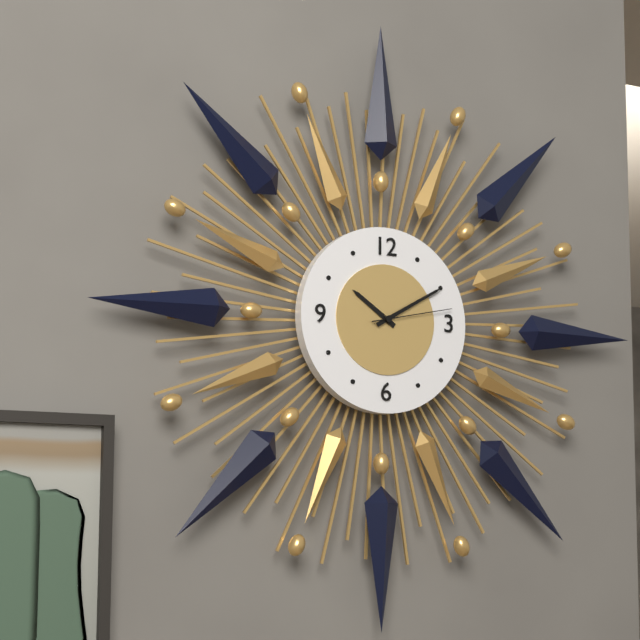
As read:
10.10.13
